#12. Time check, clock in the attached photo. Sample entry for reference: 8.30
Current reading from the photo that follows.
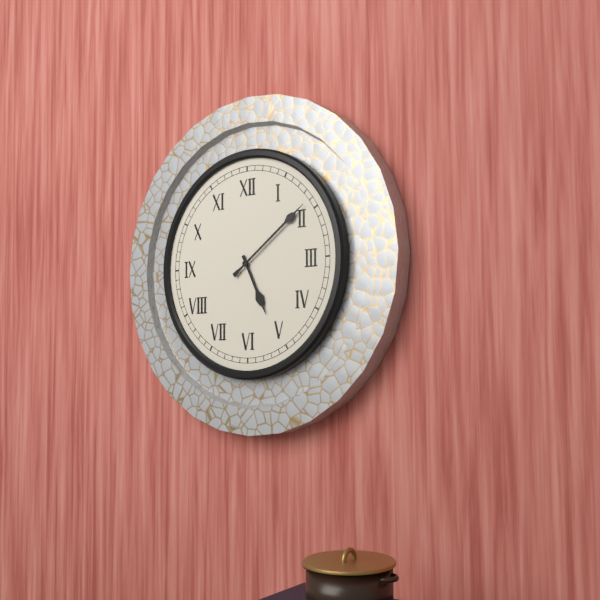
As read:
5.09
